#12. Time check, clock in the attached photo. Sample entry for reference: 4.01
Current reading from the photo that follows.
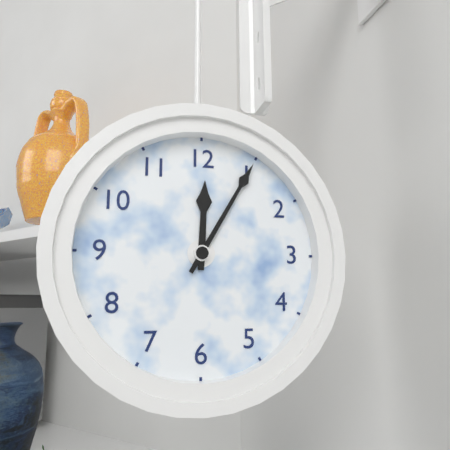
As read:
12.05
